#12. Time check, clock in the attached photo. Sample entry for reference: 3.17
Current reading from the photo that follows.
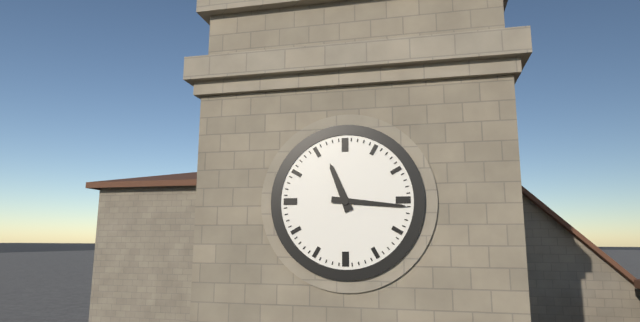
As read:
11.16
